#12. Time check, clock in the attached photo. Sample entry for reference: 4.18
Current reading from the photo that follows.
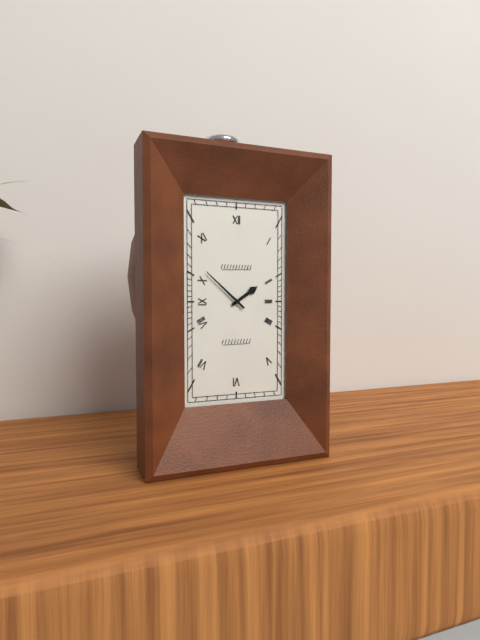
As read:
1.52
